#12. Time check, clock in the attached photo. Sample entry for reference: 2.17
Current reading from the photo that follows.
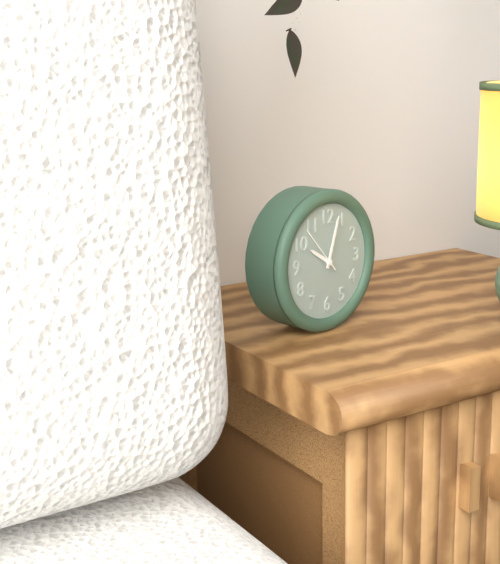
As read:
10.03
